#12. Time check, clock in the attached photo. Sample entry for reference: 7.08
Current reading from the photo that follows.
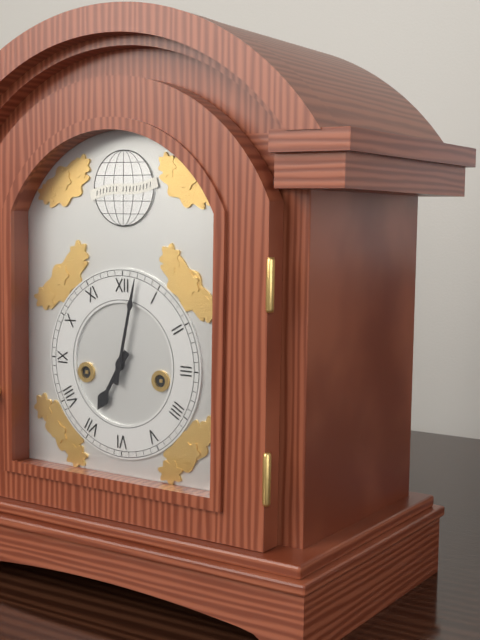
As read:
7.02
